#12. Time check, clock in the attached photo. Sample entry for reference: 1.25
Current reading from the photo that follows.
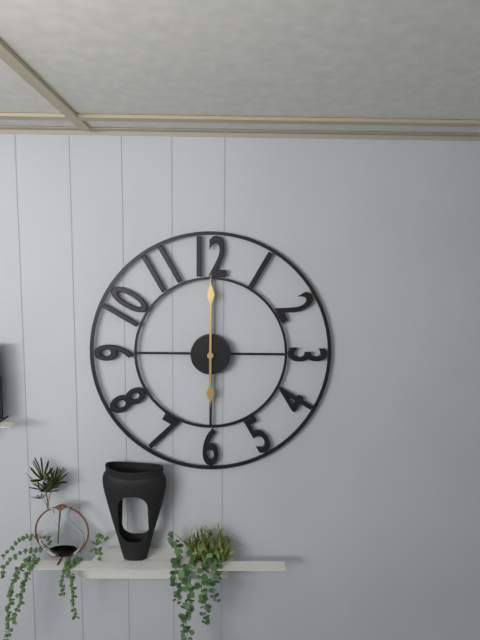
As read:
6.00
